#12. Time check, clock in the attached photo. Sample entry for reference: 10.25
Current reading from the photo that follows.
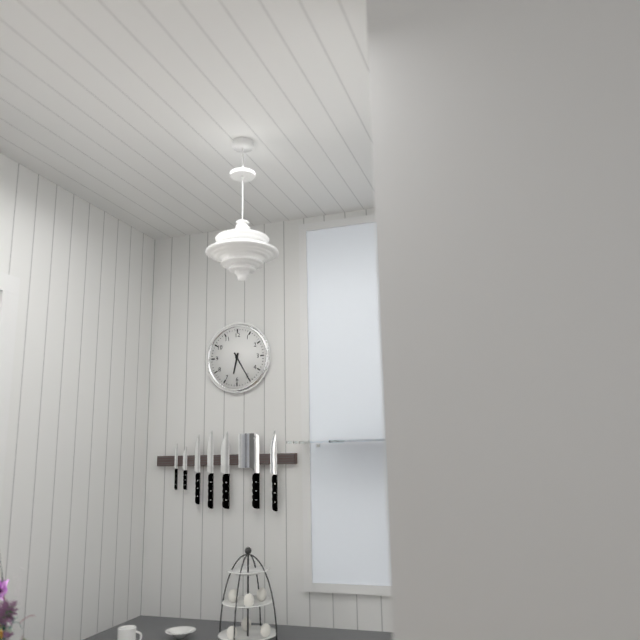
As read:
6.25
